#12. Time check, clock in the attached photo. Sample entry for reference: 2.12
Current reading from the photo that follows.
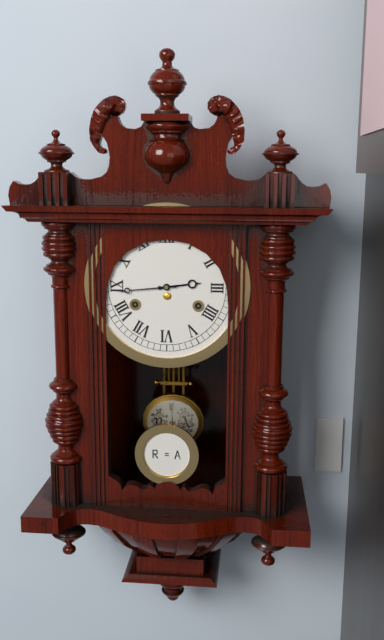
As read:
2.44
